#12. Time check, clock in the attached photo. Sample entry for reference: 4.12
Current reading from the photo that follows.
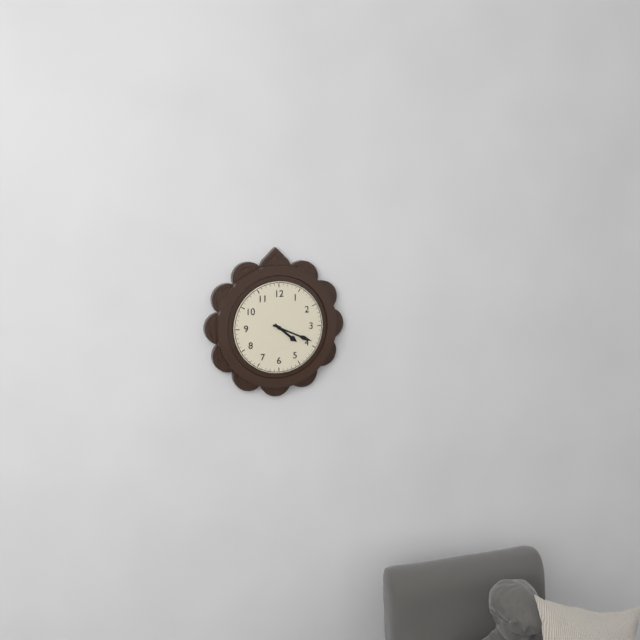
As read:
4.19
